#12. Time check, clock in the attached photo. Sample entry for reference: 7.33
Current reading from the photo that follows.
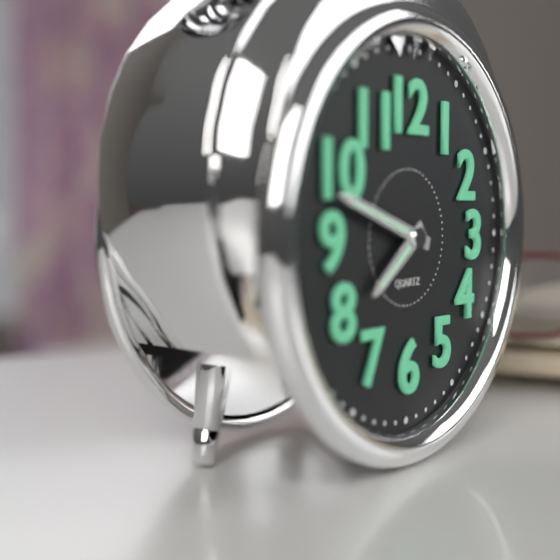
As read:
7.48
